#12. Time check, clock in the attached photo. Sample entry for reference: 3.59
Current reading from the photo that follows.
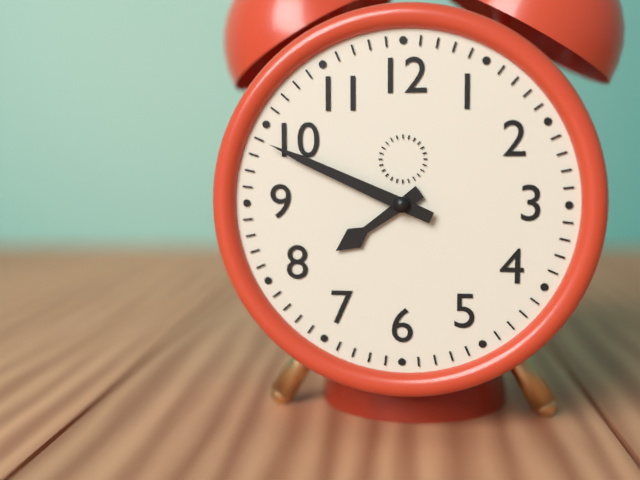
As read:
7.49
